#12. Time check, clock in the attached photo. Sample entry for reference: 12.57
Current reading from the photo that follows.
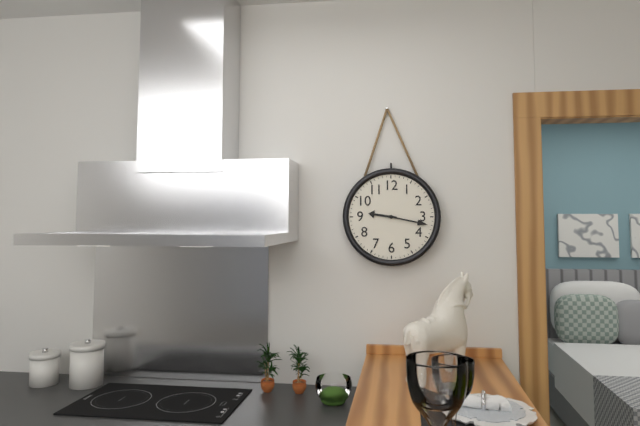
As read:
9.17
